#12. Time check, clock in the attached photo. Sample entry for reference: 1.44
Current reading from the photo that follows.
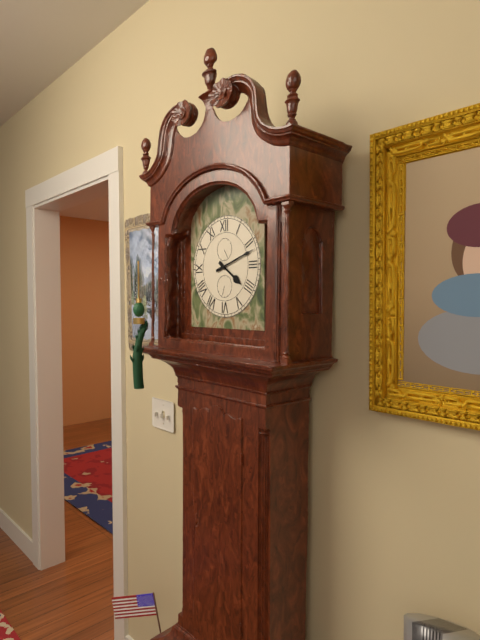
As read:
4.12
